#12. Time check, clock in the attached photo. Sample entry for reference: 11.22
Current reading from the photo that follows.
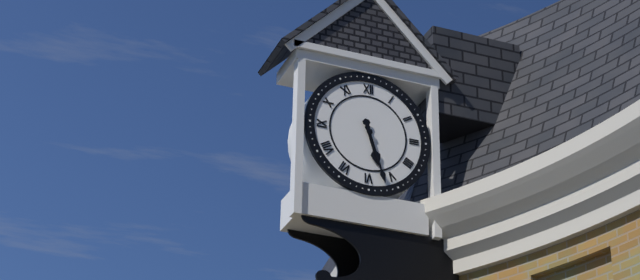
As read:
5.27
